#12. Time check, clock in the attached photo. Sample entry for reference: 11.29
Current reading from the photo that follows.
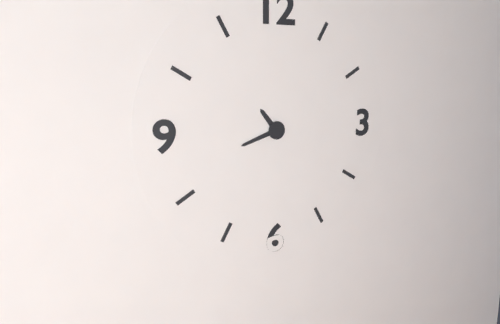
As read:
10.42
